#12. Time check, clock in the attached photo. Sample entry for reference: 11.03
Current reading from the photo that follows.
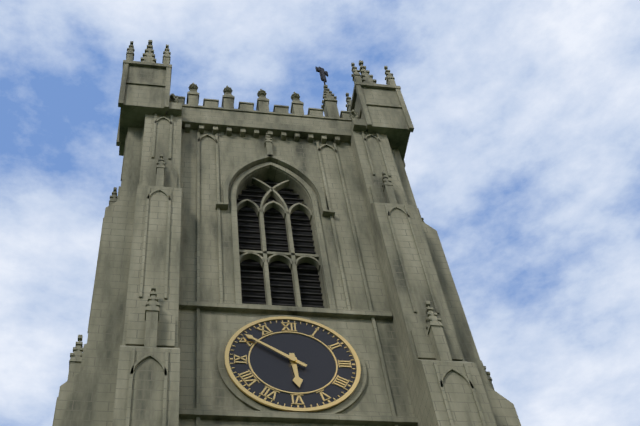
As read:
5.51
